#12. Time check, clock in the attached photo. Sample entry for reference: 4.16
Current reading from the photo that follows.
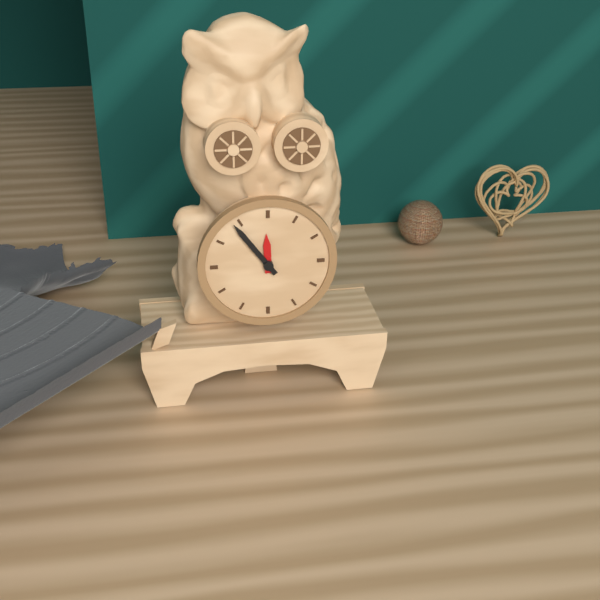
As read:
11.54
